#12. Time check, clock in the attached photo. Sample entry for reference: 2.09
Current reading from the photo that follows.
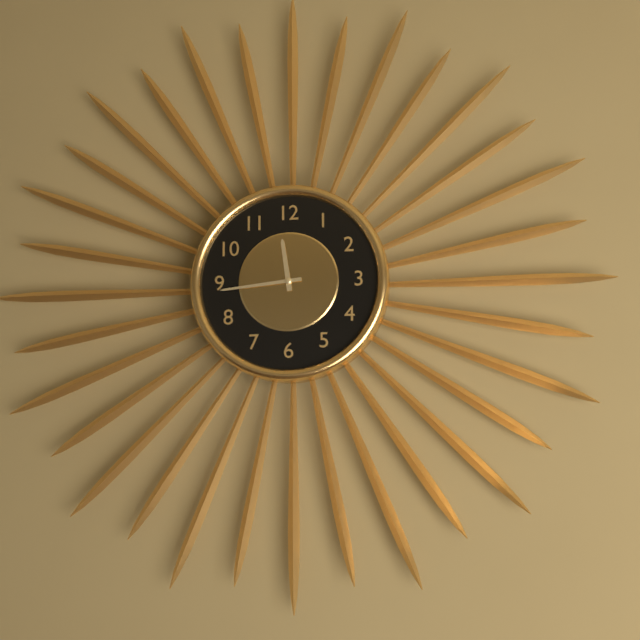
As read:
11.44
